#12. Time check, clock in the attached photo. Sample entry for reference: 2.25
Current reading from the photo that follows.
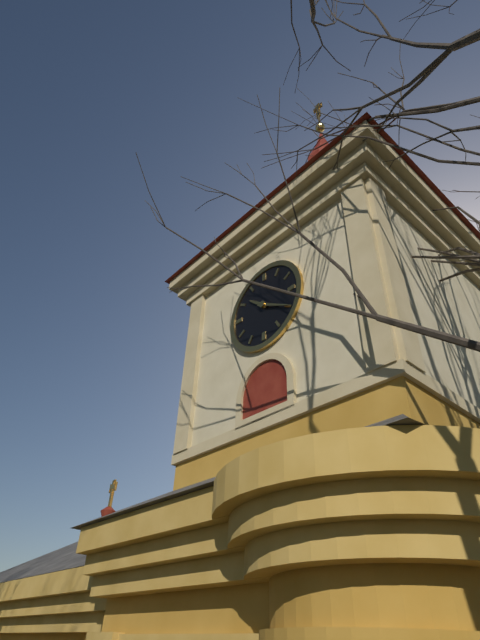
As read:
10.20
